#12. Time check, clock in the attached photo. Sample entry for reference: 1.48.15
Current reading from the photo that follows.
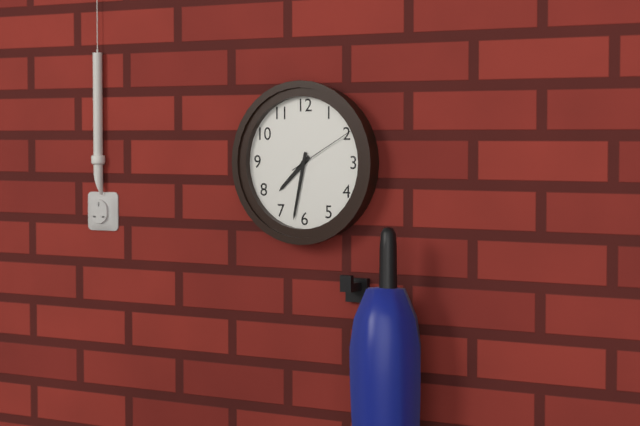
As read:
7.32.10
